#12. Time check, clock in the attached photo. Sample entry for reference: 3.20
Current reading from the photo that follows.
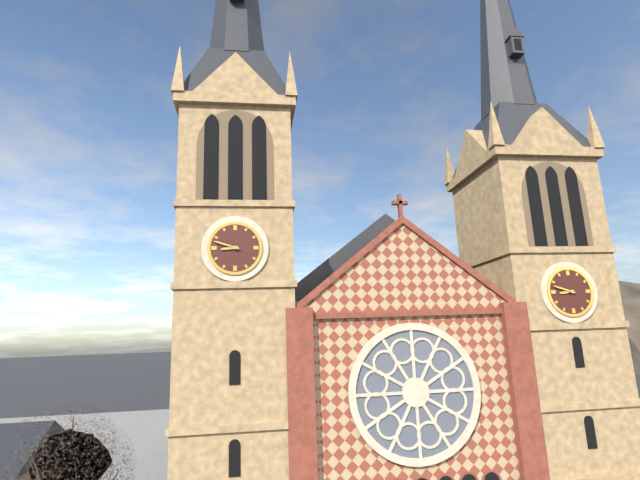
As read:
8.48
